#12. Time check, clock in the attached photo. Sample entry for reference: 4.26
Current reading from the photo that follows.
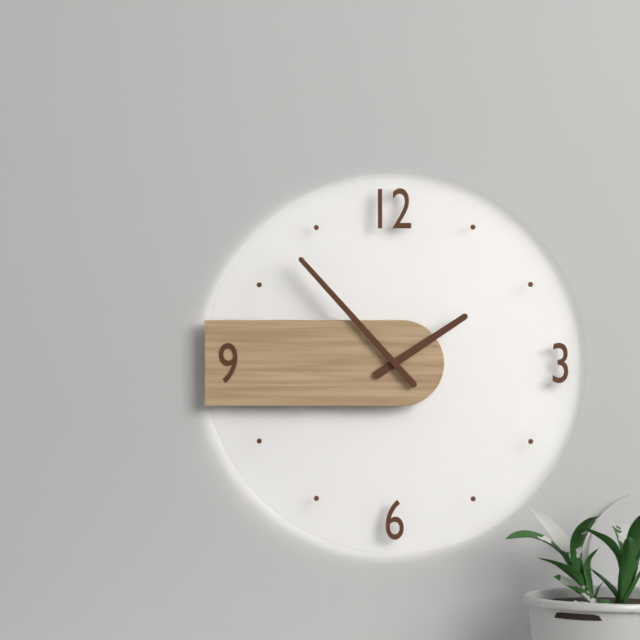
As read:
1.53
